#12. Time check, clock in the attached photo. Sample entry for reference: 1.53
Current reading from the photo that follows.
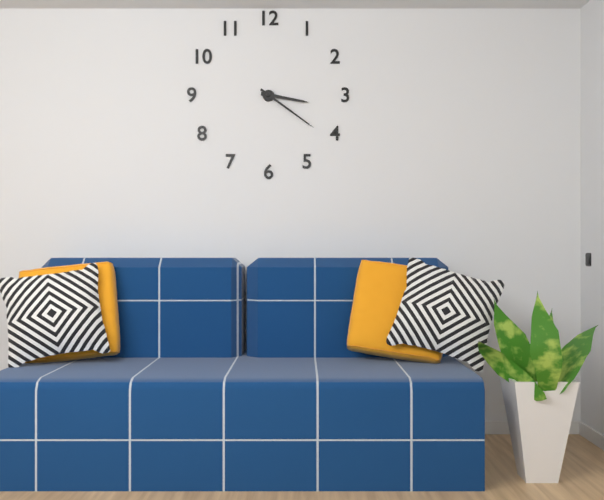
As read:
3.21
